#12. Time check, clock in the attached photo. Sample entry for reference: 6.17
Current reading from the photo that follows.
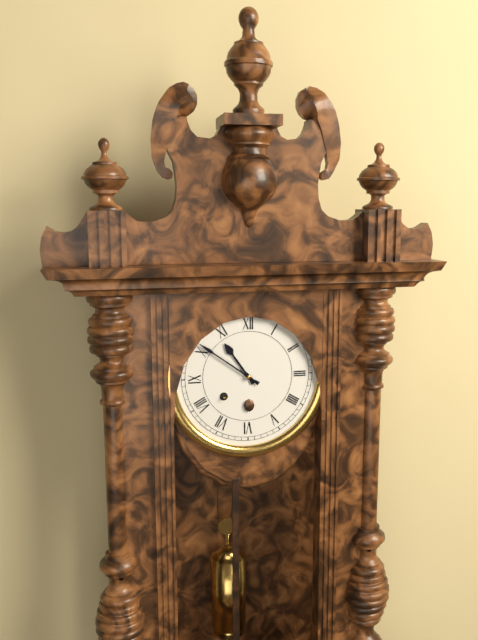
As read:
10.51
